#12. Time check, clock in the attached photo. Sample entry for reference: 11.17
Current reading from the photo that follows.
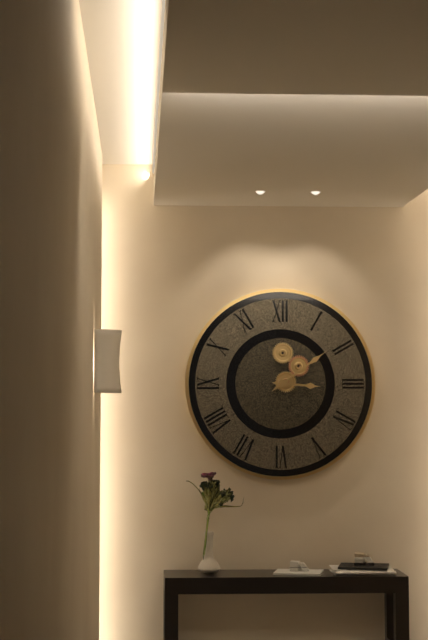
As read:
3.09
